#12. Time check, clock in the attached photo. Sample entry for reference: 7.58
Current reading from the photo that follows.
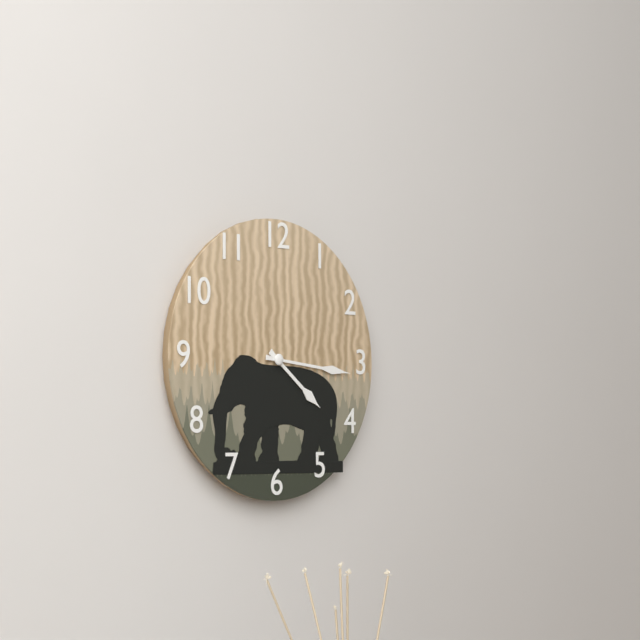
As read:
4.16
